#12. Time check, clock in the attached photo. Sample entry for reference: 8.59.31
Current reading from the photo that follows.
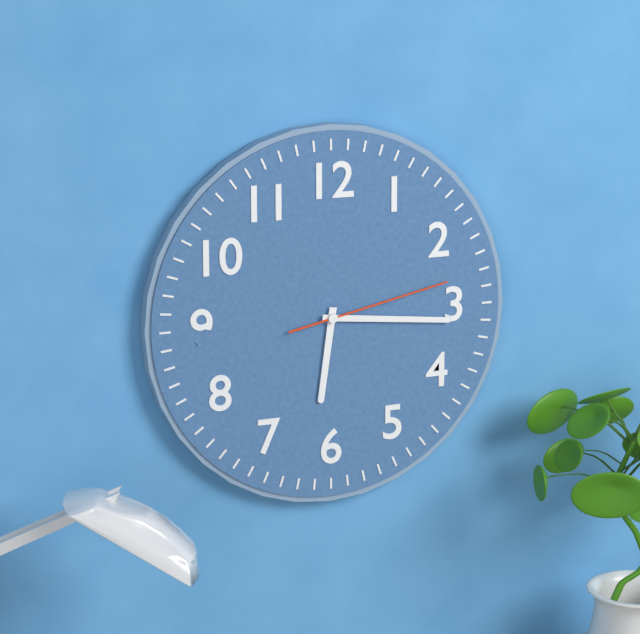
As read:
6.16.13
